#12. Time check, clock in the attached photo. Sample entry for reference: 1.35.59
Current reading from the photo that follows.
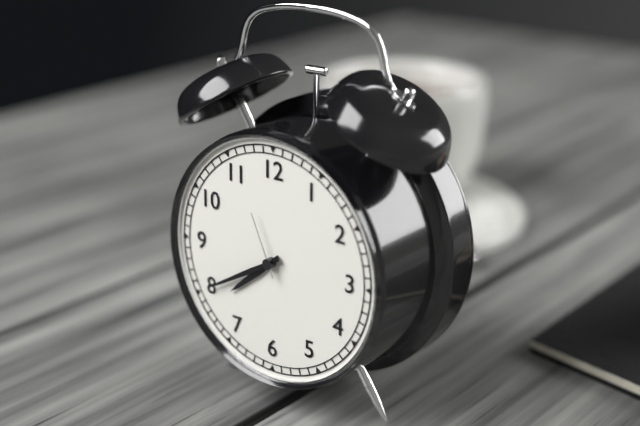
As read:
7.40.56
